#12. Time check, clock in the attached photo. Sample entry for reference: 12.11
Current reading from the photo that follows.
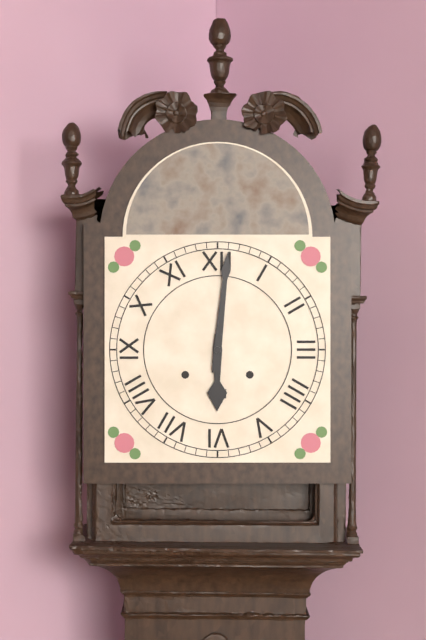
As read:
6.01
